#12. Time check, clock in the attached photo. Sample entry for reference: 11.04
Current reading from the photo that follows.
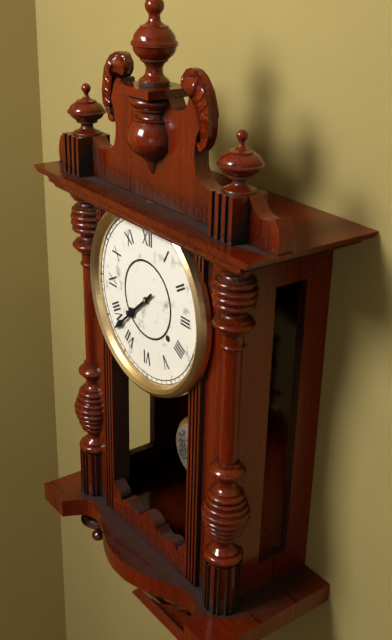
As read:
7.38
